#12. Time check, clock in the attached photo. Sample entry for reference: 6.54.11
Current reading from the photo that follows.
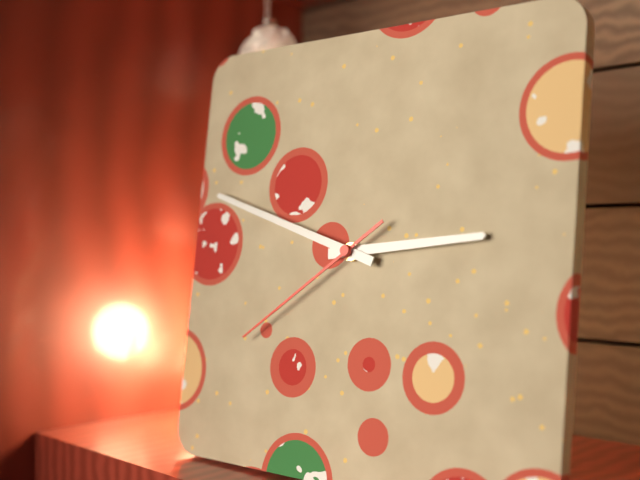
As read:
2.48.39
